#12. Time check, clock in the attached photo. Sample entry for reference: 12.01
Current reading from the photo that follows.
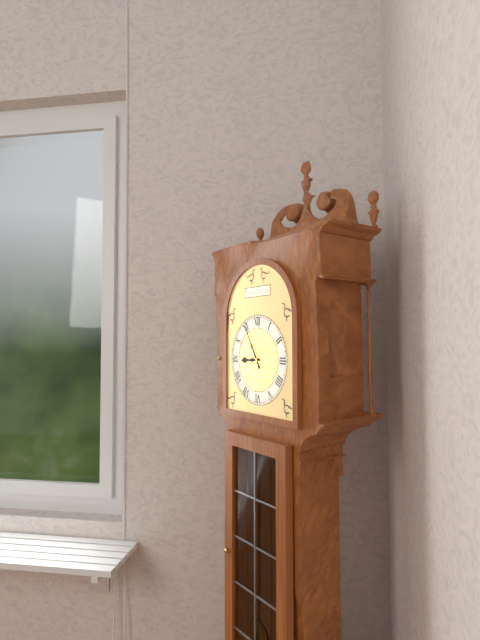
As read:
8.55
